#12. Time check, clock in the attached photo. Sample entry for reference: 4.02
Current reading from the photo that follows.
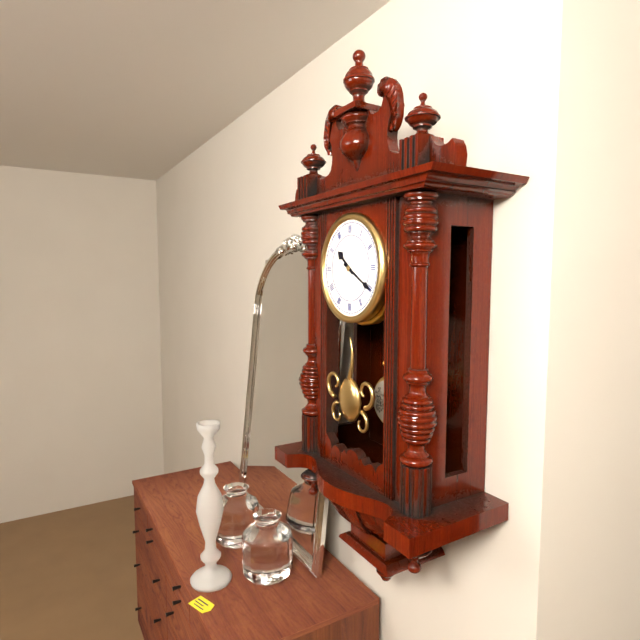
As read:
10.20
